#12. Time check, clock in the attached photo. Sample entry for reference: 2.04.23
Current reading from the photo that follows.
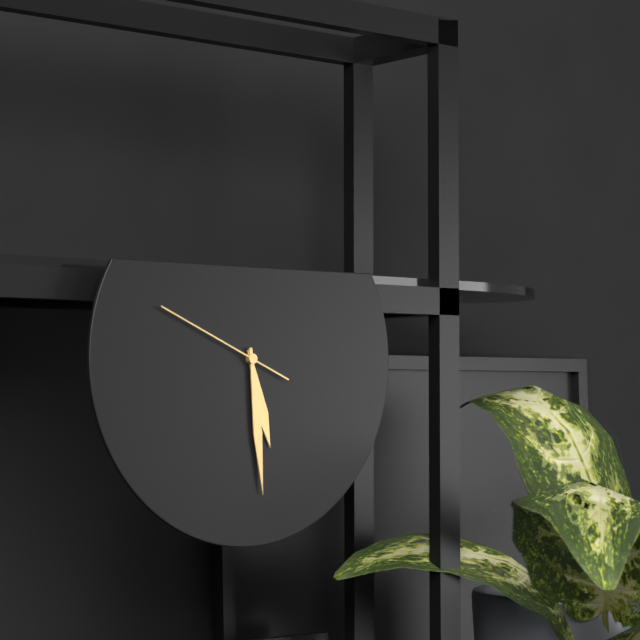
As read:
5.29.49
